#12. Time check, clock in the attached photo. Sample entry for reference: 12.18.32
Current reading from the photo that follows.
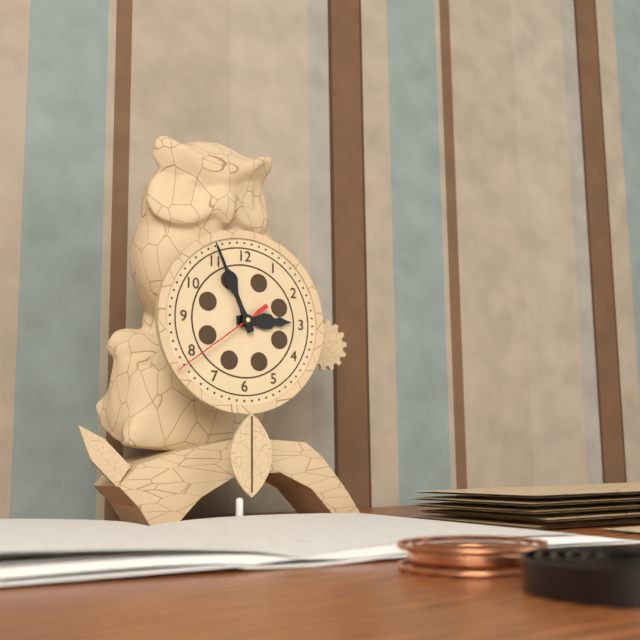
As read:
2.56.39
